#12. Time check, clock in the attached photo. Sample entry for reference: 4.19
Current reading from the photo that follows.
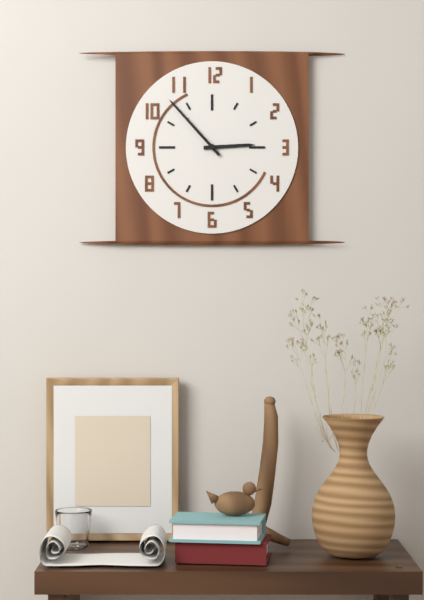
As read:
2.53
